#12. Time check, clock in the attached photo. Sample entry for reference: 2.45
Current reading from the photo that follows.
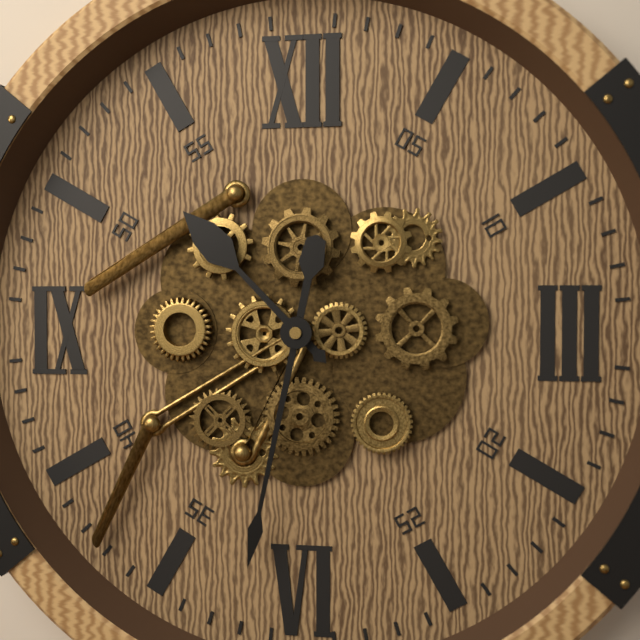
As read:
10.32
